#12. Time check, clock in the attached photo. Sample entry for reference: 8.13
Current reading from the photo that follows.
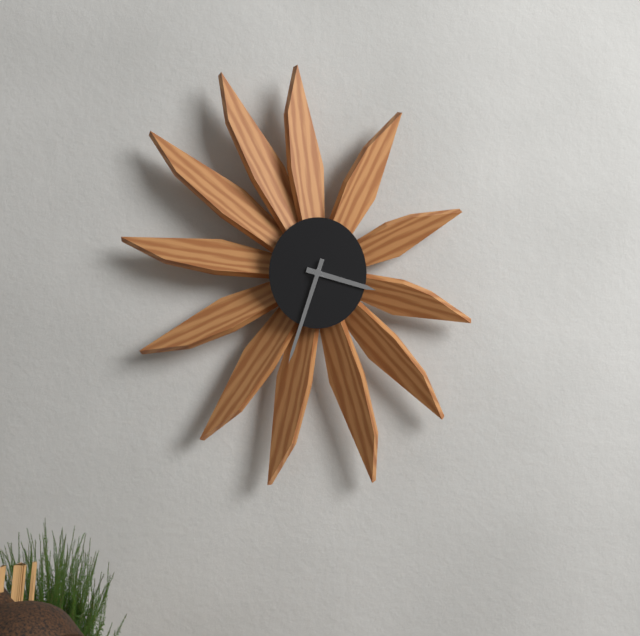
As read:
3.33
